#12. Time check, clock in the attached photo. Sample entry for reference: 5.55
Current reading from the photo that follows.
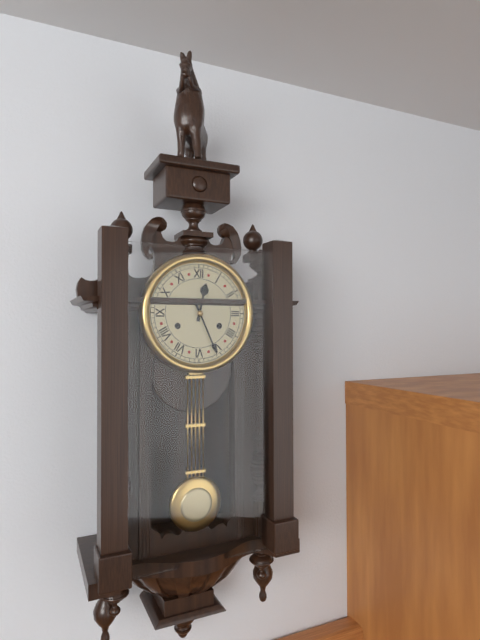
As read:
12.26
